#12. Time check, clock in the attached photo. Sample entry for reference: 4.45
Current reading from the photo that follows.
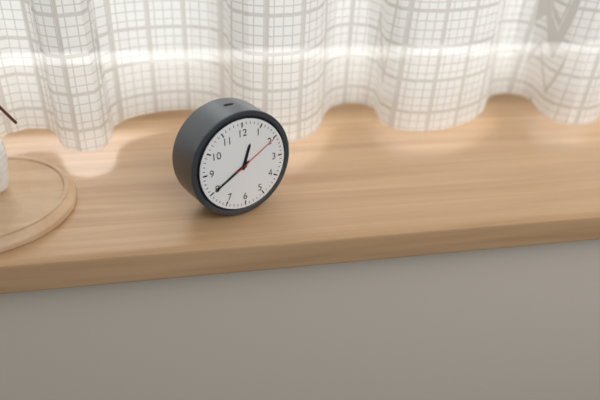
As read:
12.40
